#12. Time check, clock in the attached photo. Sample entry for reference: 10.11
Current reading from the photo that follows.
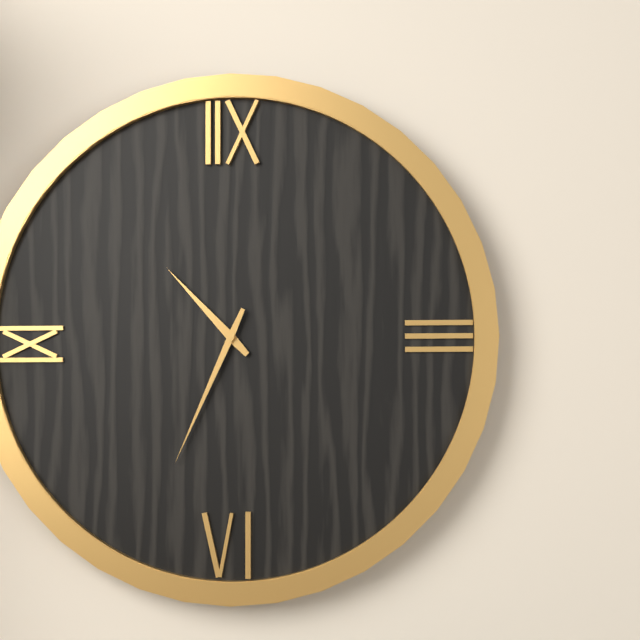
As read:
10.34
